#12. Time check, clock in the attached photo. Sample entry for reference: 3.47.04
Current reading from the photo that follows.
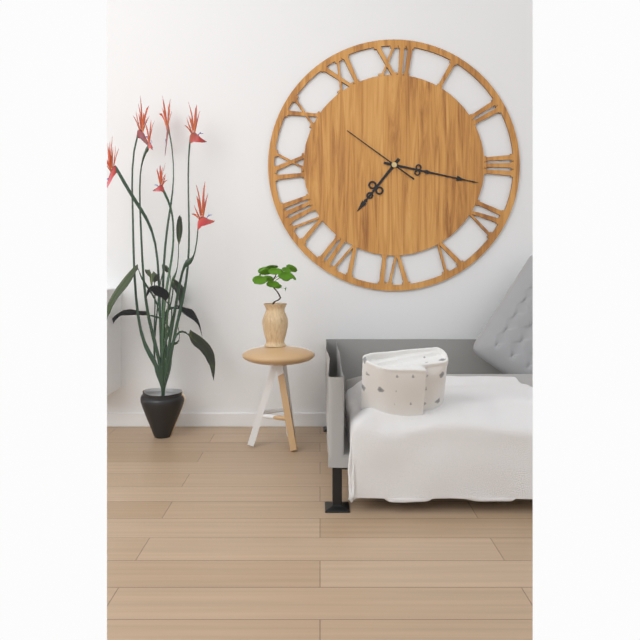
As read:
7.17.51
